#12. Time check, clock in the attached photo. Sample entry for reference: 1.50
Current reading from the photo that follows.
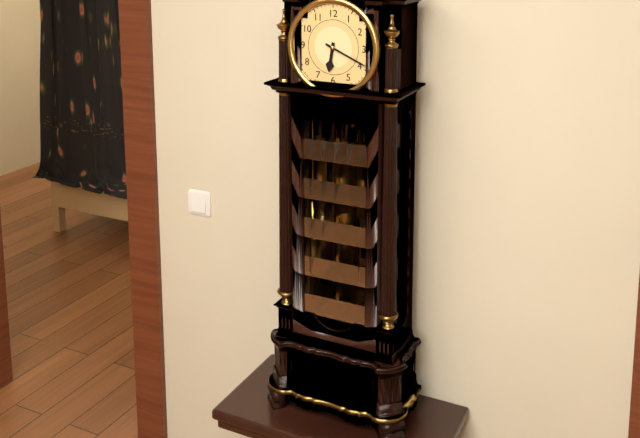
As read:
6.19
